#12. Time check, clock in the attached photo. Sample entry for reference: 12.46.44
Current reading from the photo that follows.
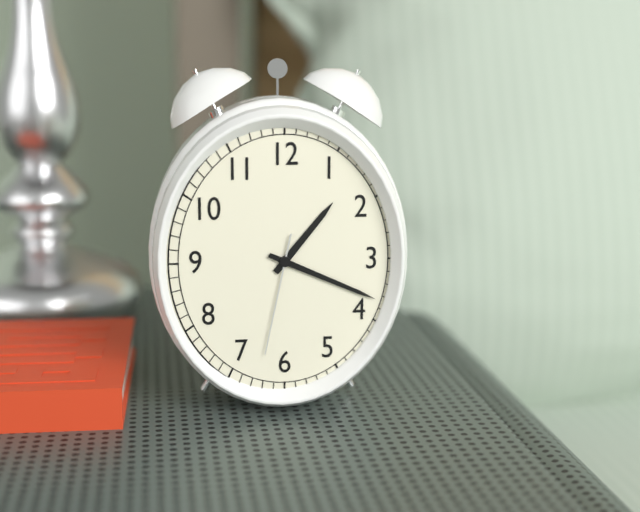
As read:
1.19.32
